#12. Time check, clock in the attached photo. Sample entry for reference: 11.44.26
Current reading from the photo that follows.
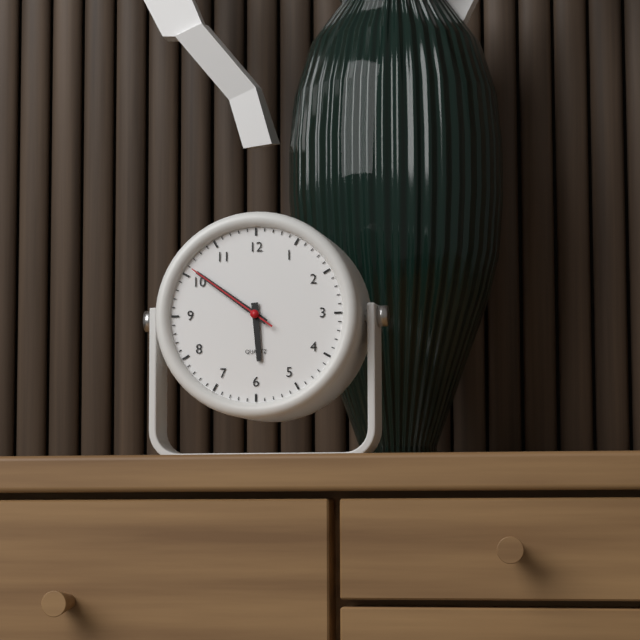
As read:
5.51.51
